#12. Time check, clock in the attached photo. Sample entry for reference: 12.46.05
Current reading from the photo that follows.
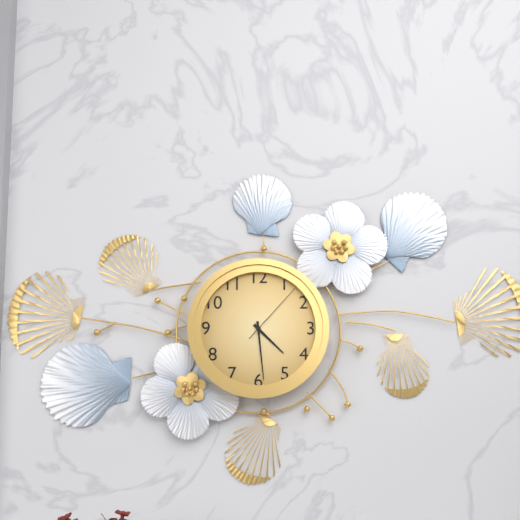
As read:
4.29.07
